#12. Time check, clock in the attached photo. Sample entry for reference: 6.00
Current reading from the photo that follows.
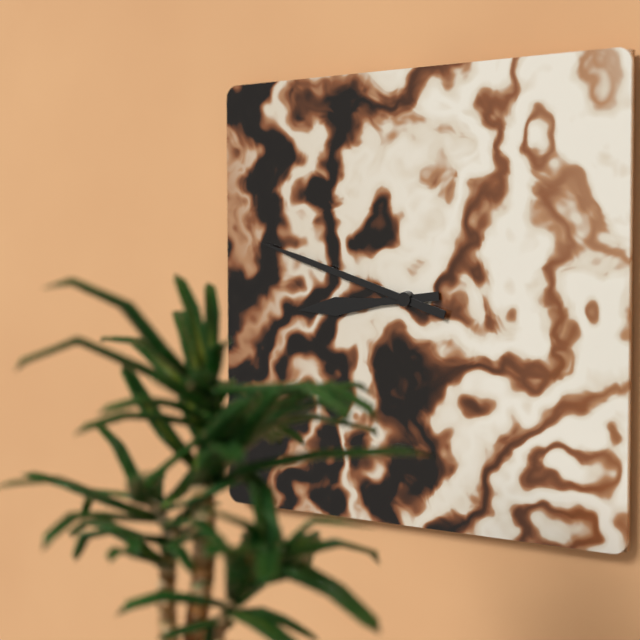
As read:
8.48
